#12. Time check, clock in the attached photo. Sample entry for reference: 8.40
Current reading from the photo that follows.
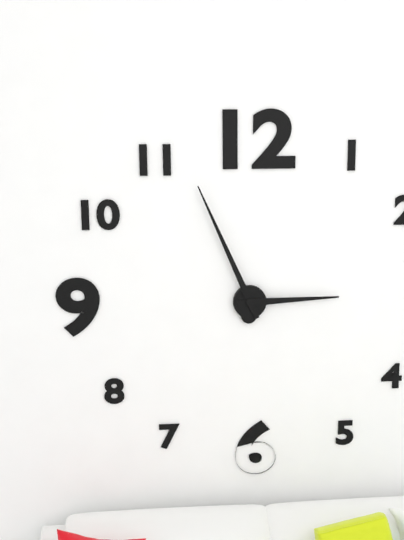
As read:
2.56
